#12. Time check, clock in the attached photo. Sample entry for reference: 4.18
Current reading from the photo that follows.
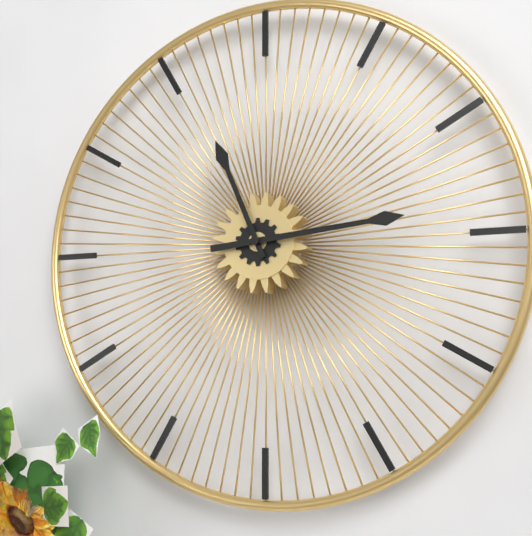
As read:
11.14
